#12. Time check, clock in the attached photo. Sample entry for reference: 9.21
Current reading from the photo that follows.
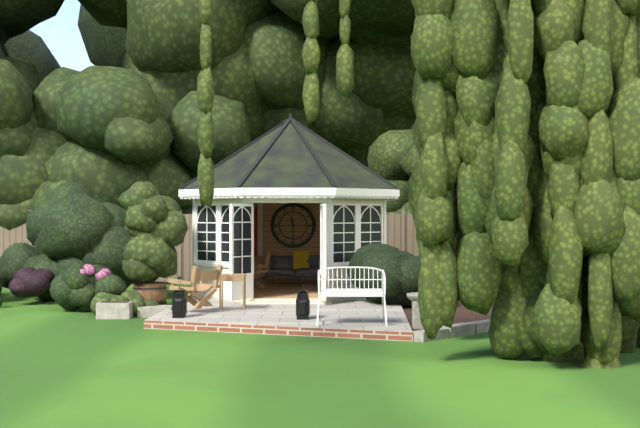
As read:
11.30
